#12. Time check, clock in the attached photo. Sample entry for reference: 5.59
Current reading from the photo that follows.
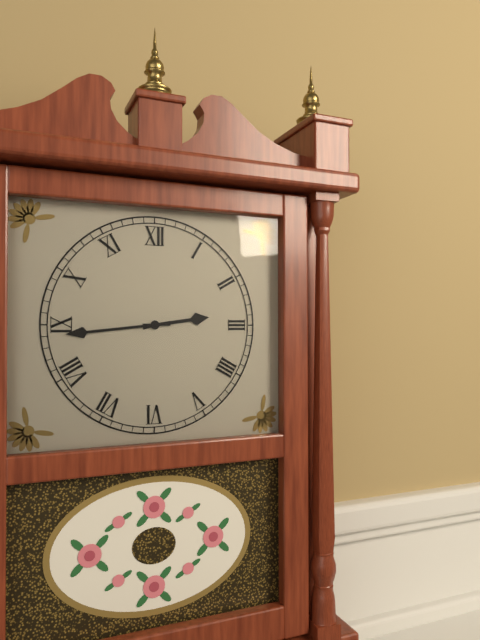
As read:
2.44
